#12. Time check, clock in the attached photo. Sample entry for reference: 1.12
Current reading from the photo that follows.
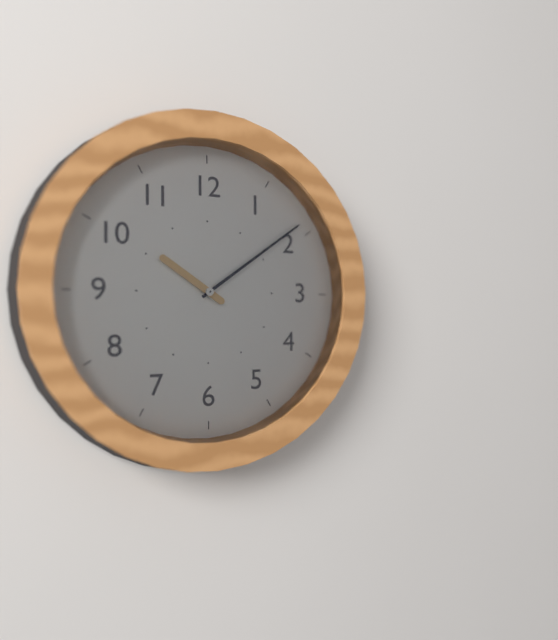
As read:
10.09
